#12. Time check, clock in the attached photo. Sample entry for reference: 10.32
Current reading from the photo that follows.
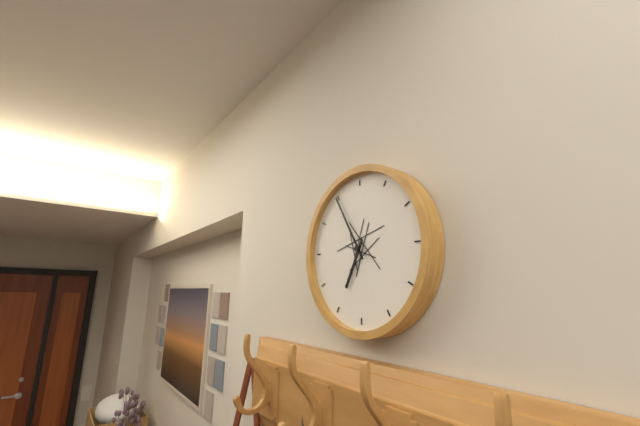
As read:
6.55
